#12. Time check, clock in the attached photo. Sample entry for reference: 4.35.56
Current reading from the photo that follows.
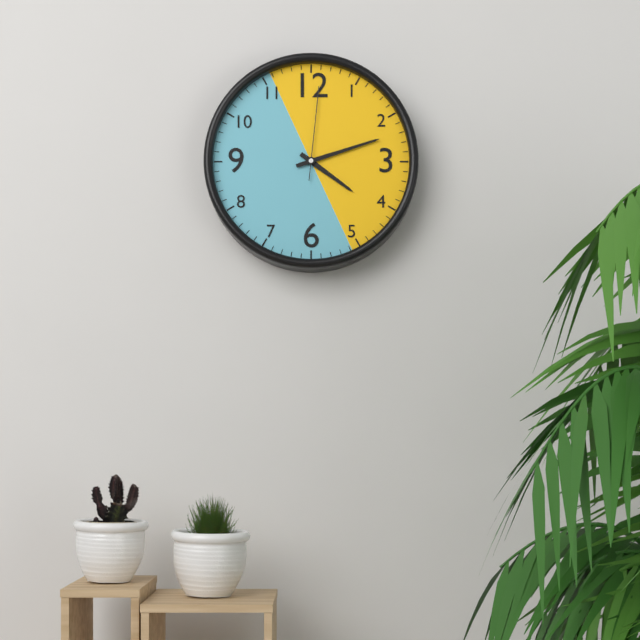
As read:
4.12.01
